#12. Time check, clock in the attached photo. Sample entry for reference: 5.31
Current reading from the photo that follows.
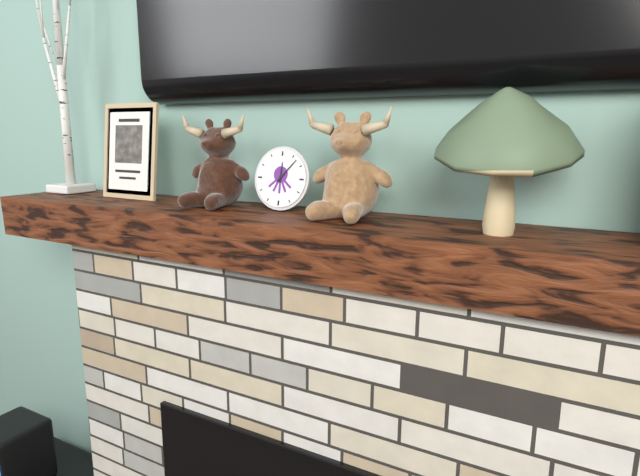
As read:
12.07
